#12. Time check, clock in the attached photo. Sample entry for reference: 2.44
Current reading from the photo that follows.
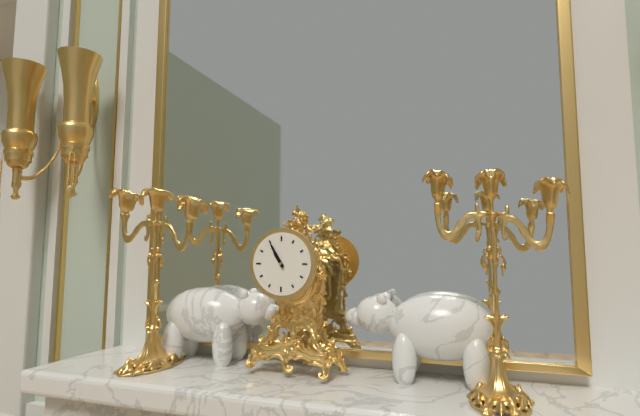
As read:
10.55
